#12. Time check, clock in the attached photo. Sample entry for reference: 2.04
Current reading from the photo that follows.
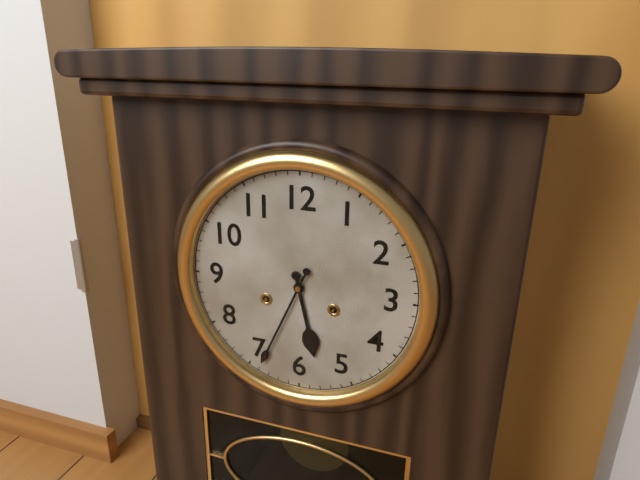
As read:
5.34
